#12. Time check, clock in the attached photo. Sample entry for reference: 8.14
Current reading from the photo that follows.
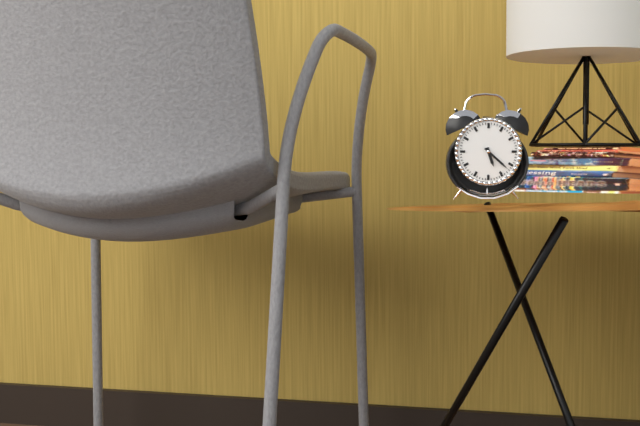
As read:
5.22
